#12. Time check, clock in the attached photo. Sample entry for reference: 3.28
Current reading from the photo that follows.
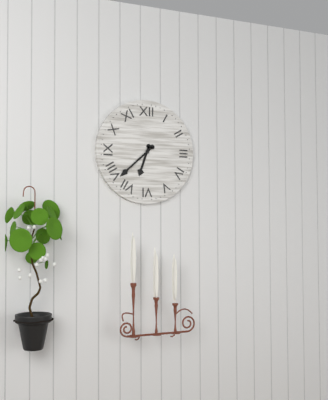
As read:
6.38
